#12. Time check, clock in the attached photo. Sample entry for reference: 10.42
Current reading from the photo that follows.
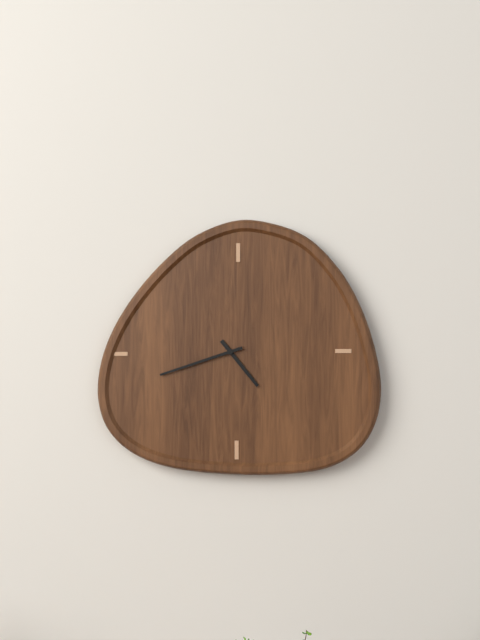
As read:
4.42
